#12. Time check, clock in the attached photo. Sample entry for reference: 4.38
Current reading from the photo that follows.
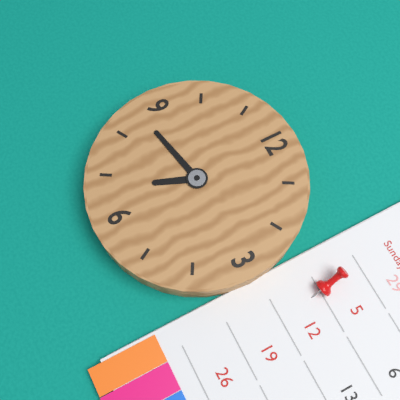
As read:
6.43
